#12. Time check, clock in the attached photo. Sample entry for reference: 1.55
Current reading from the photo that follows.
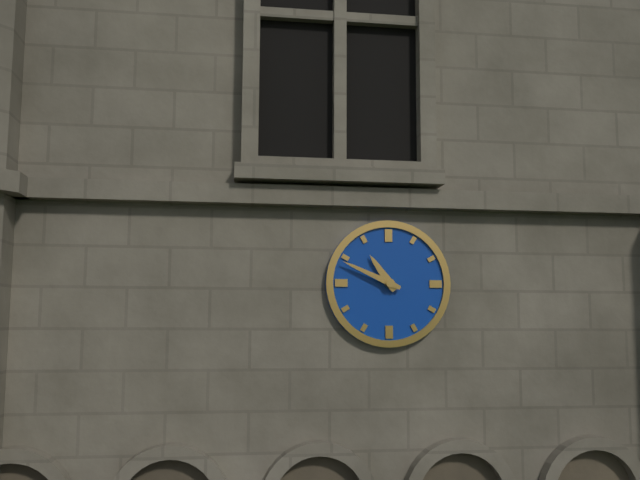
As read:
10.49
